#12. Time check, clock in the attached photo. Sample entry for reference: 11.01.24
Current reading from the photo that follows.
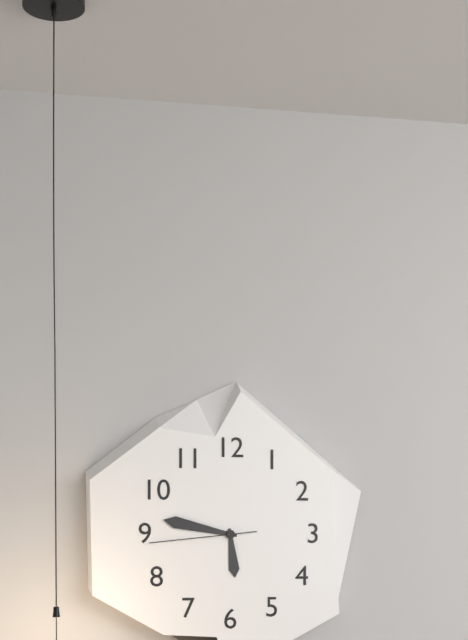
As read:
5.47.44
